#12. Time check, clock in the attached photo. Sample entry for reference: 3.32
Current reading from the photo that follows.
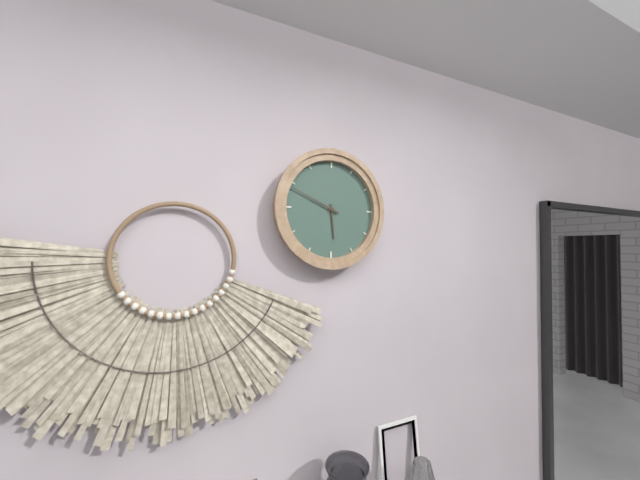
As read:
5.49
